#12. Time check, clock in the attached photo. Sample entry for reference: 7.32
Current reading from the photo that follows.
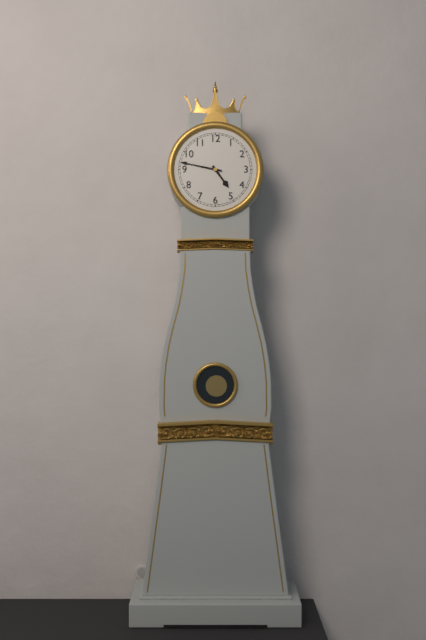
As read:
4.47
